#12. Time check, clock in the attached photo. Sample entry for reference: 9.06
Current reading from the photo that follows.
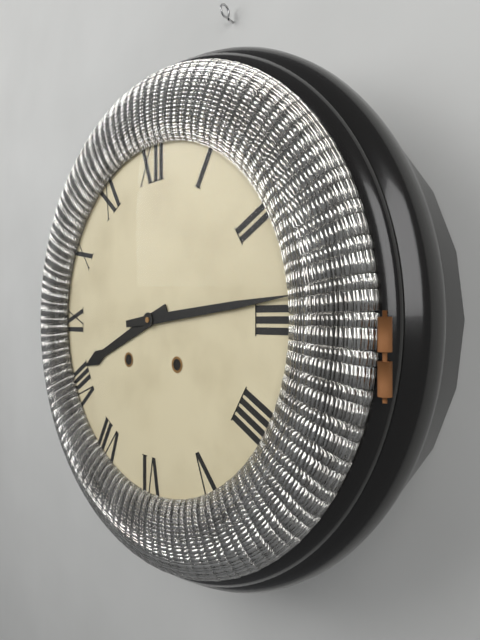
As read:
8.14
